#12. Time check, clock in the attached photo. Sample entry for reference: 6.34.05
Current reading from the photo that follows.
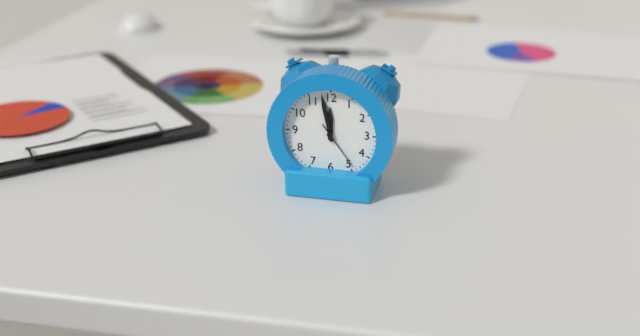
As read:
11.58.24
